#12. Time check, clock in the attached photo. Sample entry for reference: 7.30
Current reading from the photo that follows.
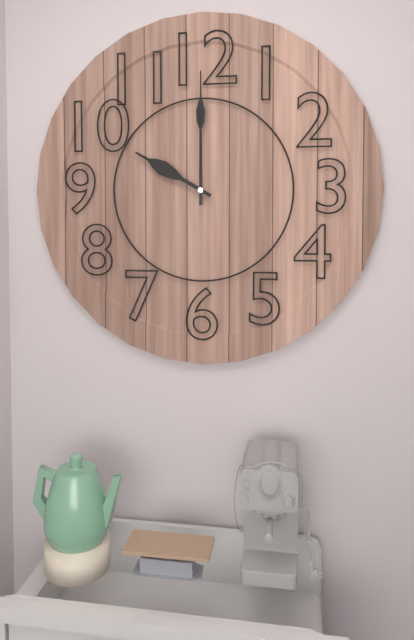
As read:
10.00
